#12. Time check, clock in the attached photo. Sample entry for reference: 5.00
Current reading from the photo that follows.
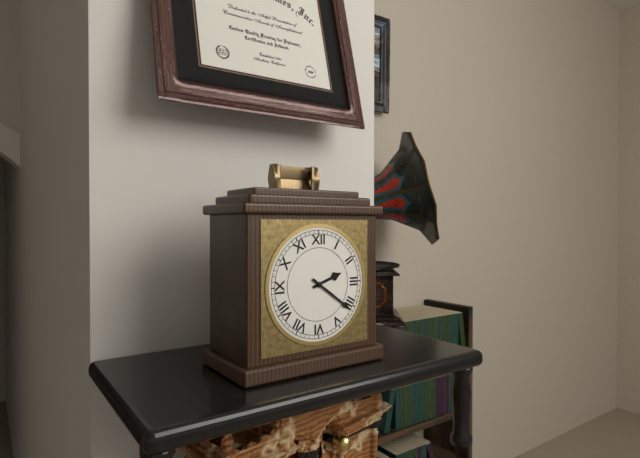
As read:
2.21
